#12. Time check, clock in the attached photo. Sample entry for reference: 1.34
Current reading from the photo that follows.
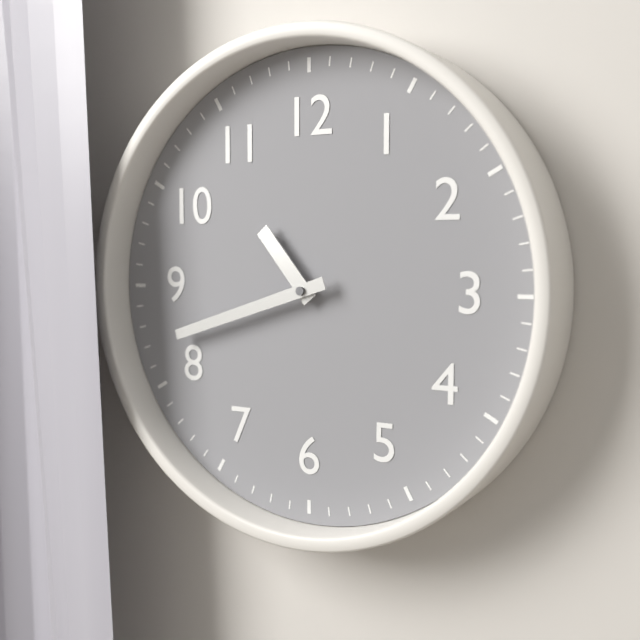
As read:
10.42
